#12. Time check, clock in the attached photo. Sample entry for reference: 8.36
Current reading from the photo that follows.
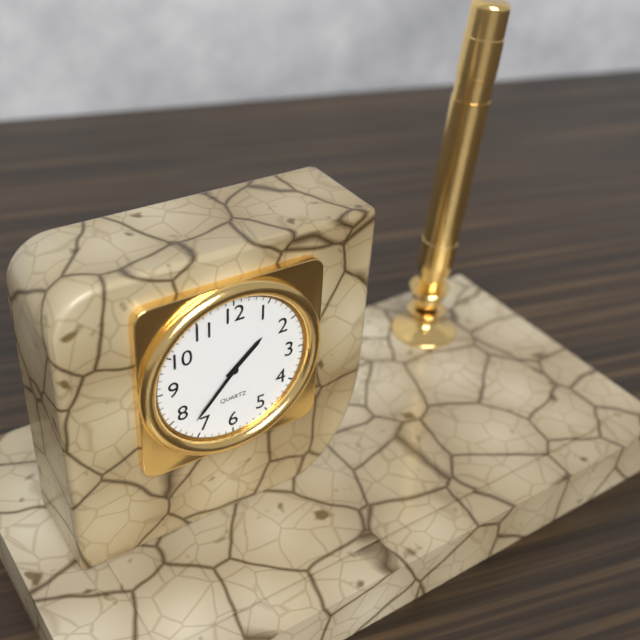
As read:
1.37
